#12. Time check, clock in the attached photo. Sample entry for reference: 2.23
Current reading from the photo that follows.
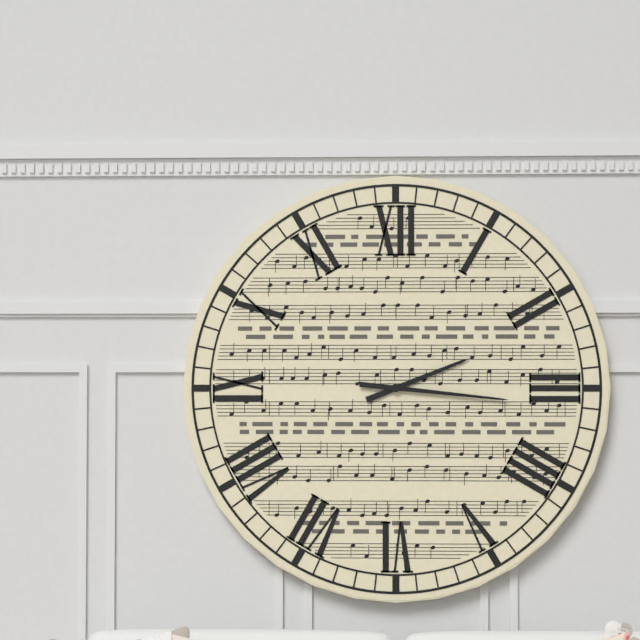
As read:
2.16
